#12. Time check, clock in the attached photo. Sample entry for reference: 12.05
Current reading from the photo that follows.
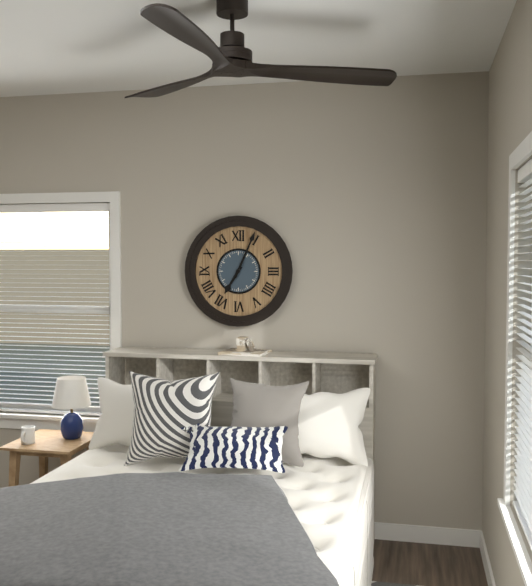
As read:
7.04
